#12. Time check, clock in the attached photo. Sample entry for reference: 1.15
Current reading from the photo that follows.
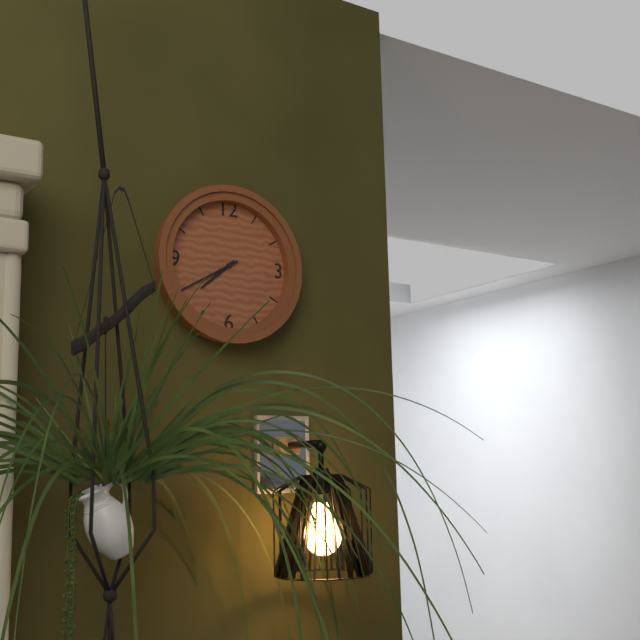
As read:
7.40
